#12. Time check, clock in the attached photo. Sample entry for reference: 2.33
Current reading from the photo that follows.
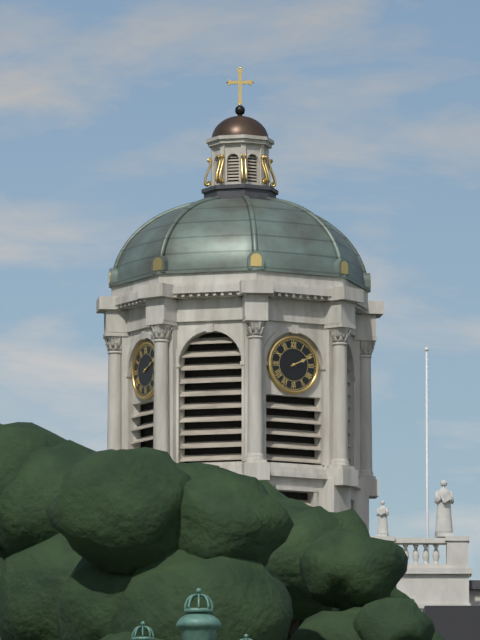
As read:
2.11
